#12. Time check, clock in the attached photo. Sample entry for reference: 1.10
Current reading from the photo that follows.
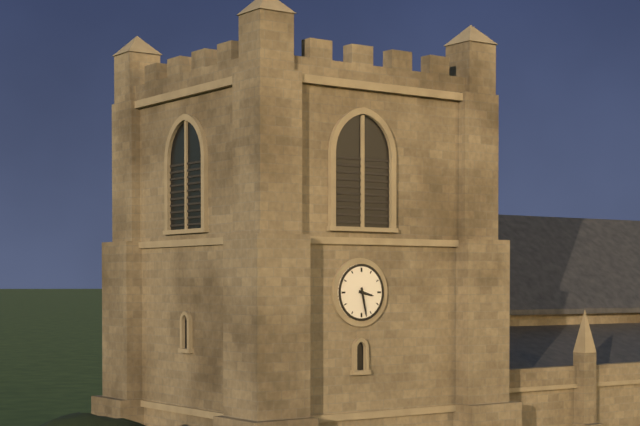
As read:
3.28
